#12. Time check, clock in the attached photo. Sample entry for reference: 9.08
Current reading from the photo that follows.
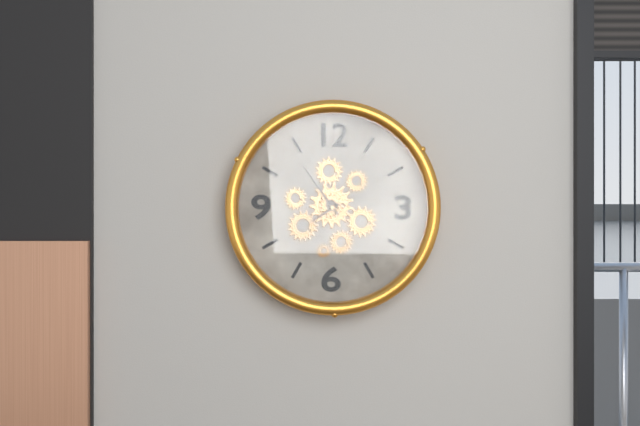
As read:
7.54
